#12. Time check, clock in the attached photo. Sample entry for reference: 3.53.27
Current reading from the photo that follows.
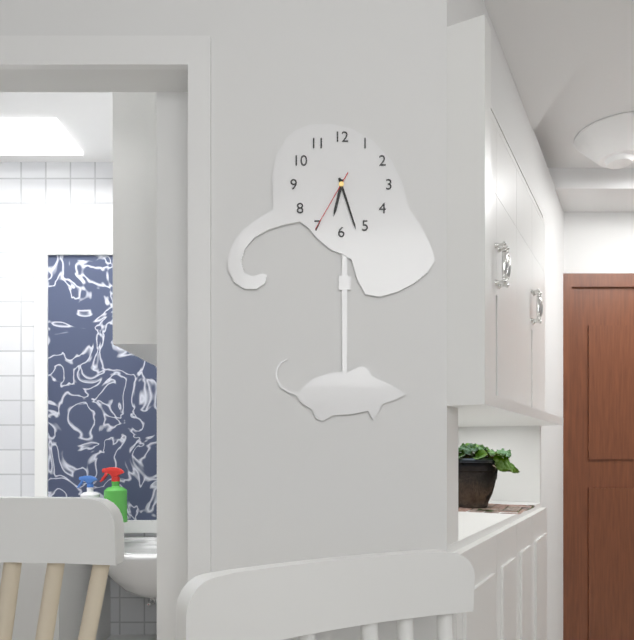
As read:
6.27.35
